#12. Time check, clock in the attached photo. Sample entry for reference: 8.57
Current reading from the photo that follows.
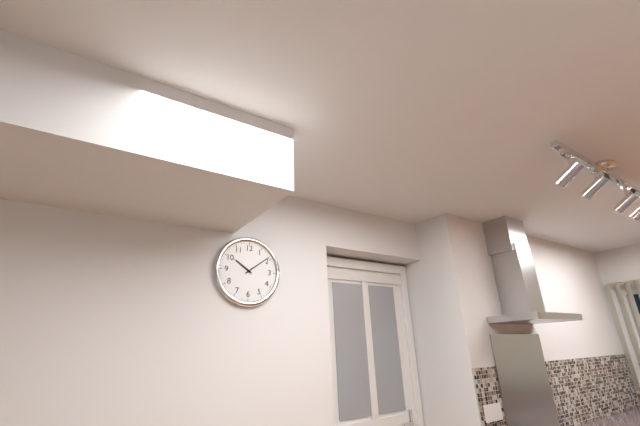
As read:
10.09
